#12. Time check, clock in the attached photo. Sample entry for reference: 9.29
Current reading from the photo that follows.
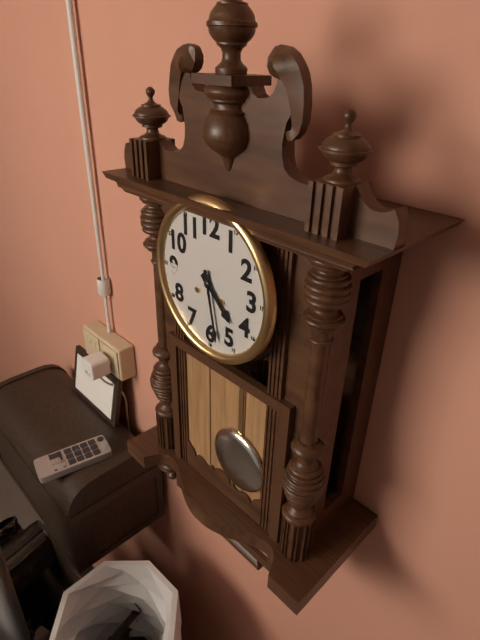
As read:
4.28
